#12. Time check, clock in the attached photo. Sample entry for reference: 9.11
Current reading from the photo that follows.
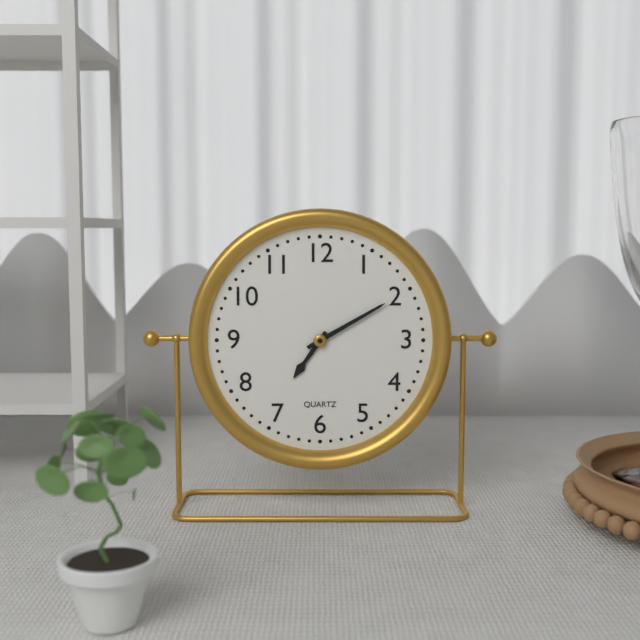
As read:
7.10
